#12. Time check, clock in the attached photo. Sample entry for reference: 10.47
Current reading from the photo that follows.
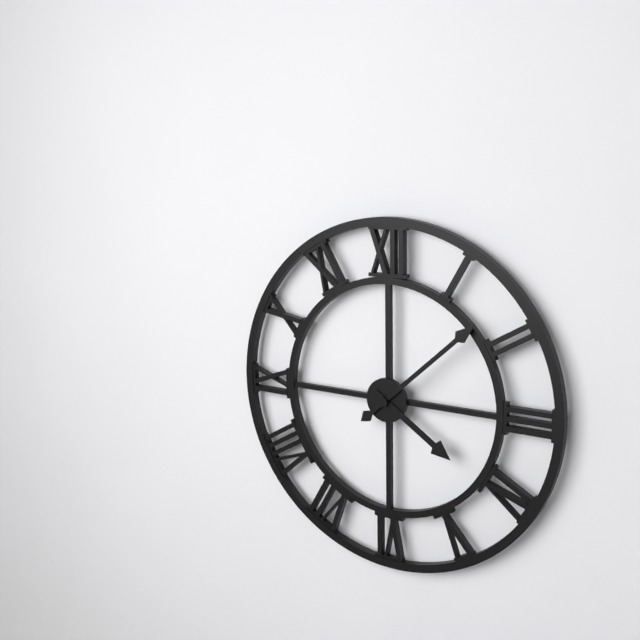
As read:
4.08
